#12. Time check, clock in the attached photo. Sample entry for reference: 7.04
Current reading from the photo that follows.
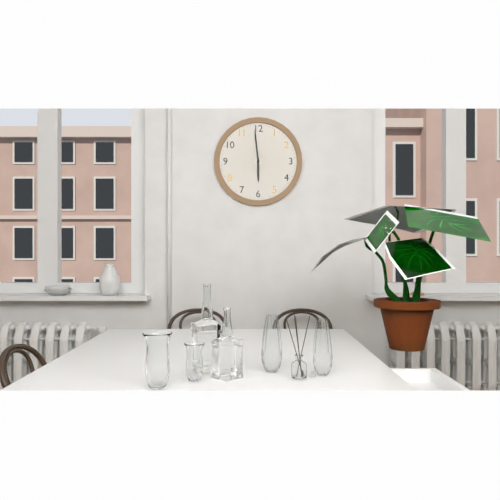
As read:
5.59
